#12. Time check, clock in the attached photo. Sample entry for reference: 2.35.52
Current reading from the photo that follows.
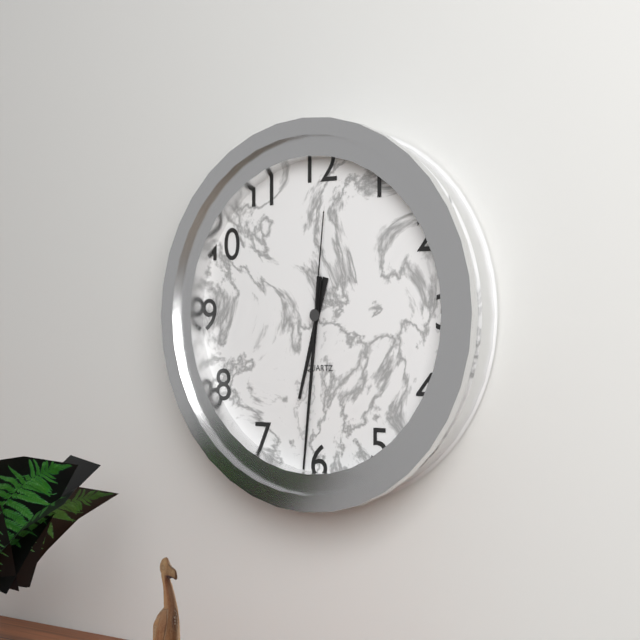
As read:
6.31.01
